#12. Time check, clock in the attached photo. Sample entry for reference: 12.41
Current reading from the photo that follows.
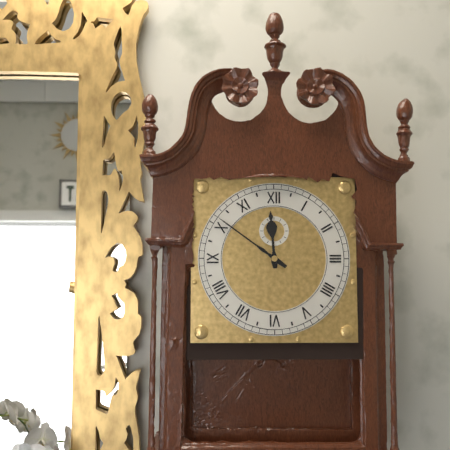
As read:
11.51
